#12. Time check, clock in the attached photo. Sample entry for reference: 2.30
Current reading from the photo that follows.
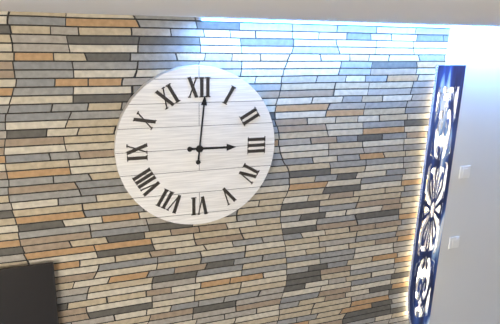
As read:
3.01
